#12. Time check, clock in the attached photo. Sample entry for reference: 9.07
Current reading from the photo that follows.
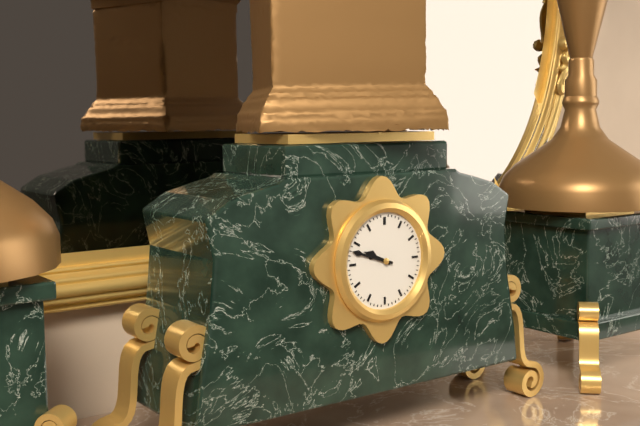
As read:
9.48
